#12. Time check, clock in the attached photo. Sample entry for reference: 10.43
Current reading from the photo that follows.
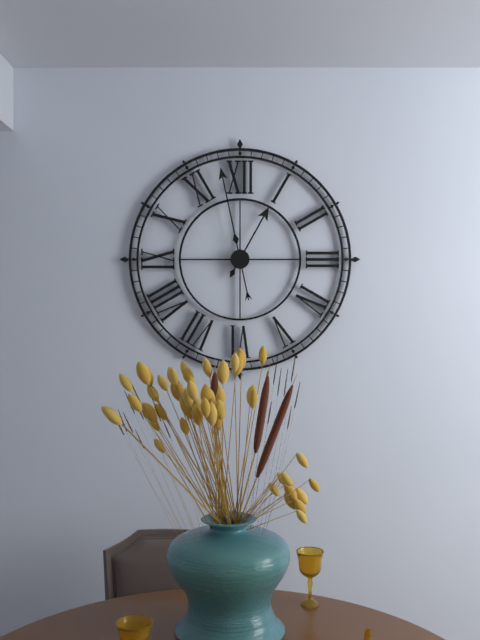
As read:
12.58
